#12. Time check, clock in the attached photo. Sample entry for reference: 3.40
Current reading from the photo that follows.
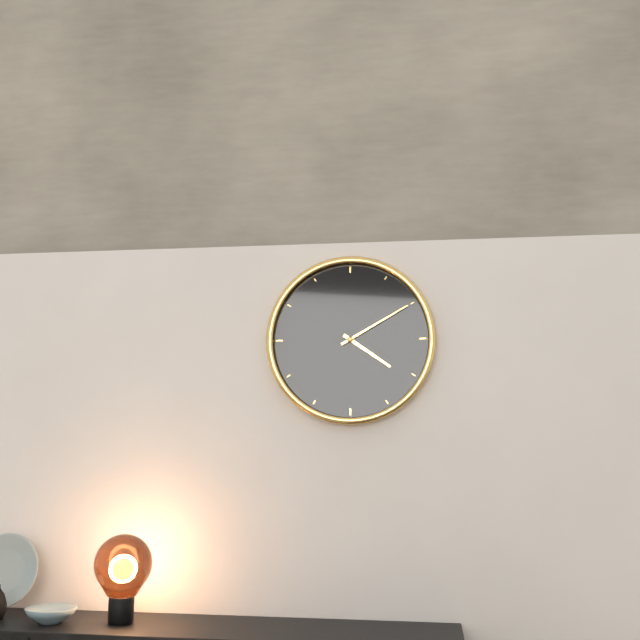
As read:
4.10
